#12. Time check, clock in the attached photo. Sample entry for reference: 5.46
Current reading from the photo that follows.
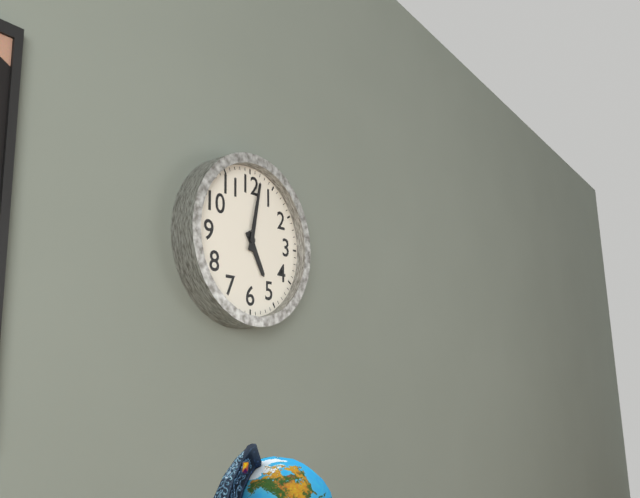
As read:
5.02
